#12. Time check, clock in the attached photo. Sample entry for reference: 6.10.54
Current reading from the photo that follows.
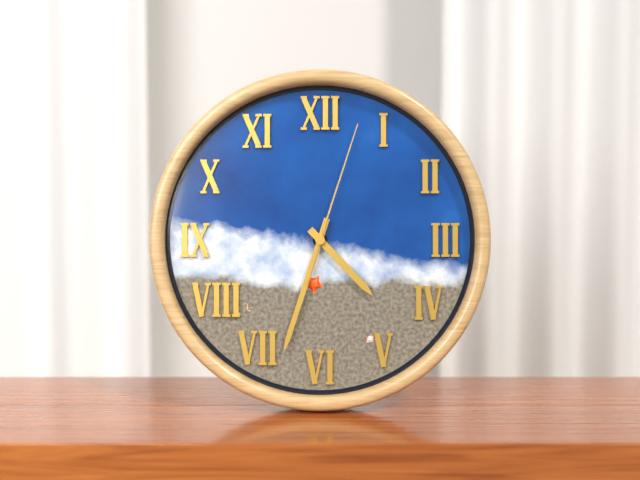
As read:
4.33.03
